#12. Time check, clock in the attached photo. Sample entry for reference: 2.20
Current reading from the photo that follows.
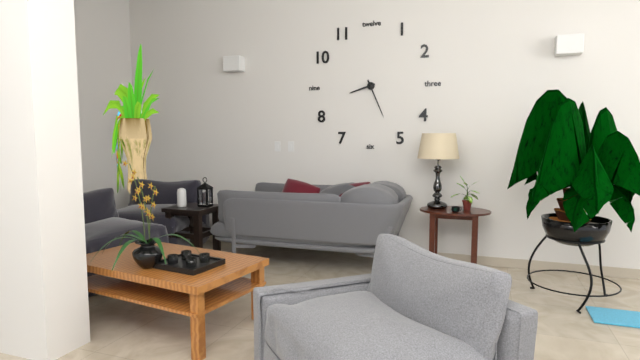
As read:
8.26
